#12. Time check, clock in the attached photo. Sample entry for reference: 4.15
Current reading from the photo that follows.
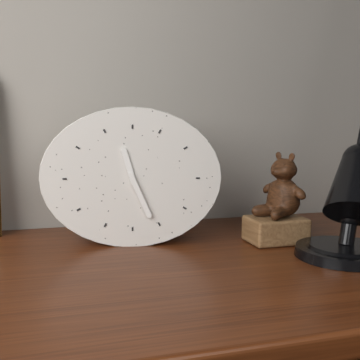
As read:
11.26
